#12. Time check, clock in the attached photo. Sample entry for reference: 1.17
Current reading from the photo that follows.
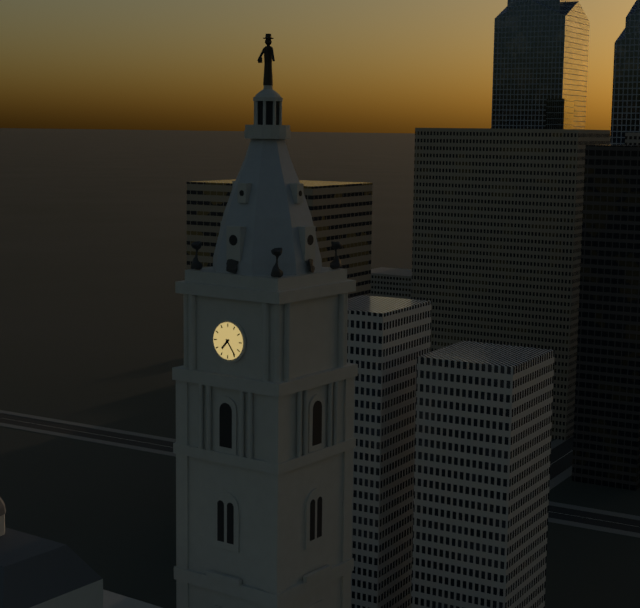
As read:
7.24
